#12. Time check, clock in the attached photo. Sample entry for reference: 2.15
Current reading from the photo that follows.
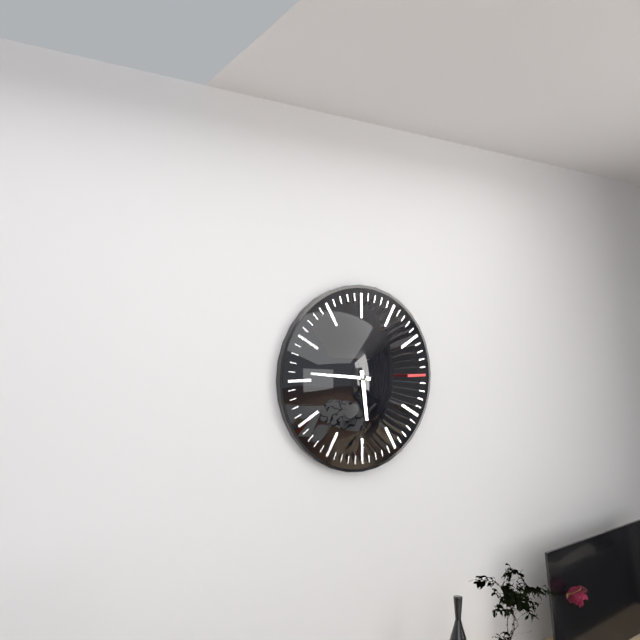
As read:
5.46
